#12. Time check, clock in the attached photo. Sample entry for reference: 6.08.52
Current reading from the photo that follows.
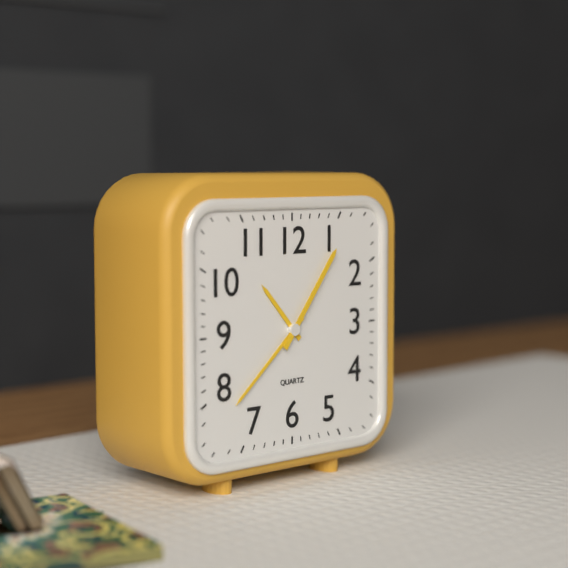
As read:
10.38.06
